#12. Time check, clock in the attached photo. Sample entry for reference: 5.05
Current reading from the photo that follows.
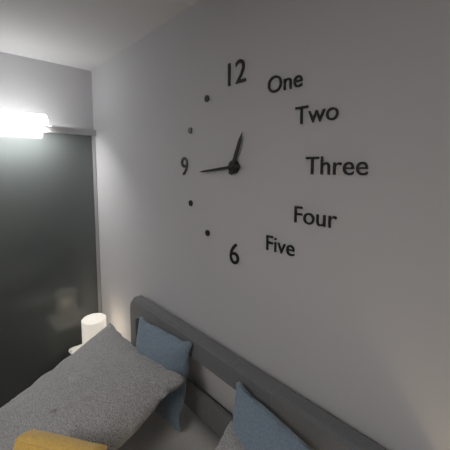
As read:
12.44
